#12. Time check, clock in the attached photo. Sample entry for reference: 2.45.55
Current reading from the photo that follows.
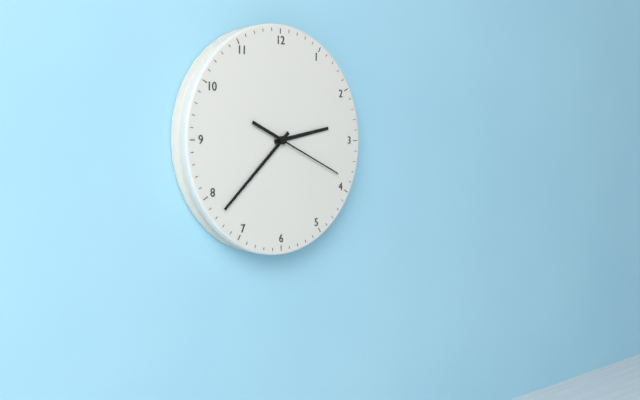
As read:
2.38.19
